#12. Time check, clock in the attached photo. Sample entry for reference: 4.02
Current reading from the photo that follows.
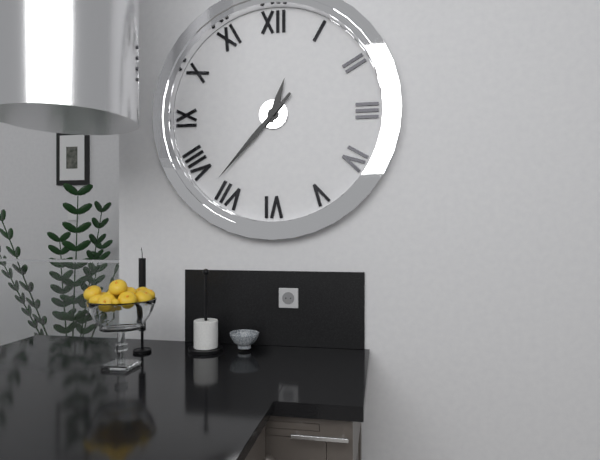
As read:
12.37
